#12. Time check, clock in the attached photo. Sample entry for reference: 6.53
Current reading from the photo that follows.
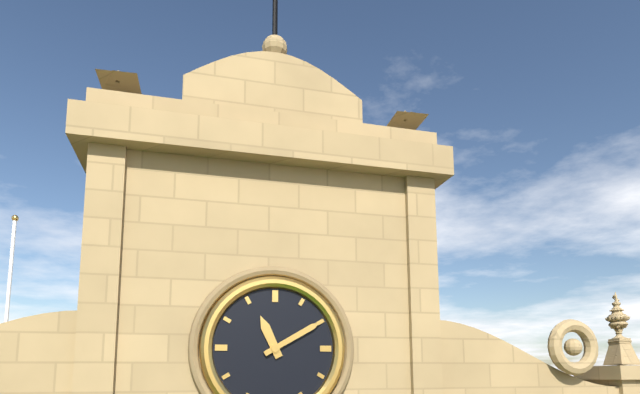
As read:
11.10
